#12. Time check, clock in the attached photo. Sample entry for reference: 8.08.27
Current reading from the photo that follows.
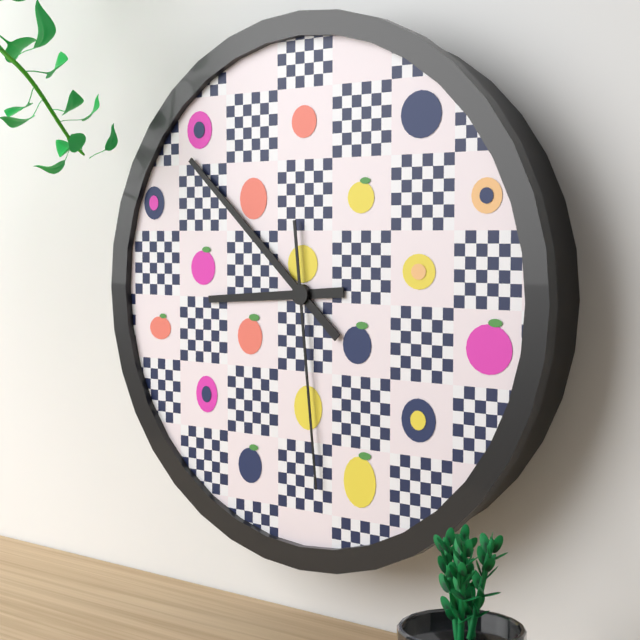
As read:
8.52.29
